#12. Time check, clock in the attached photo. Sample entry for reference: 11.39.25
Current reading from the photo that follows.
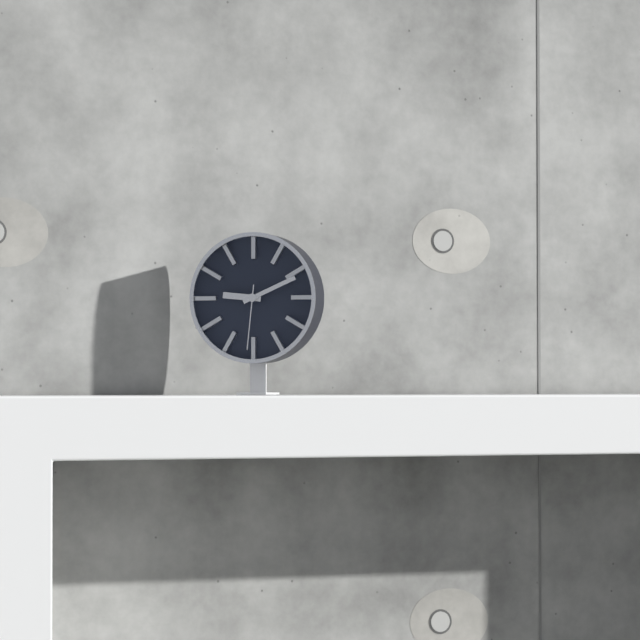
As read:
9.11.31
